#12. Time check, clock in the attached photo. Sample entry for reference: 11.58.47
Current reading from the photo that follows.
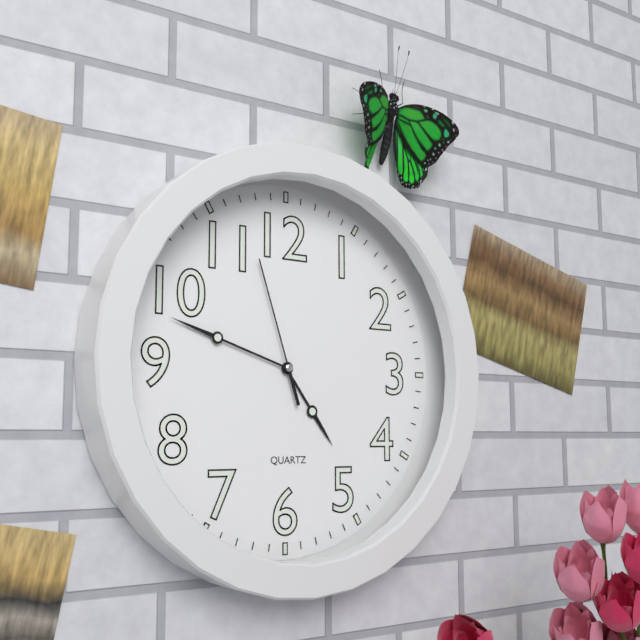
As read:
4.48.57
